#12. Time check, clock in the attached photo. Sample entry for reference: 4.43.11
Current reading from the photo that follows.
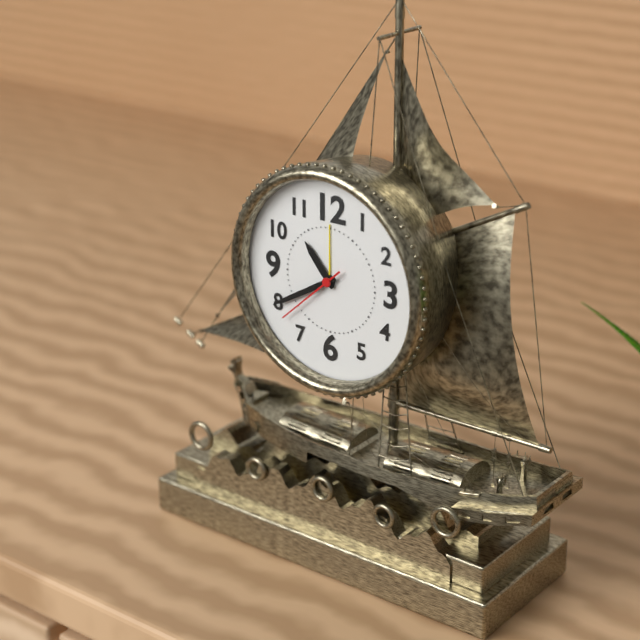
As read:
10.40.38
